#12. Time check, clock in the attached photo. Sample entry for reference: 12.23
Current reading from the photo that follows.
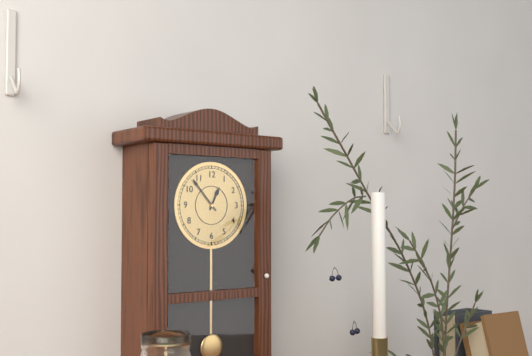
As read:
12.53
